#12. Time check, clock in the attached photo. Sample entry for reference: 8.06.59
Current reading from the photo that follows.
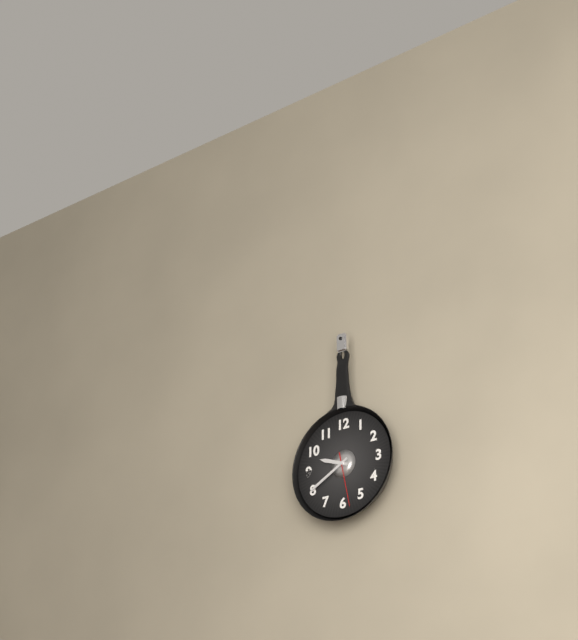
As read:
9.40.28
